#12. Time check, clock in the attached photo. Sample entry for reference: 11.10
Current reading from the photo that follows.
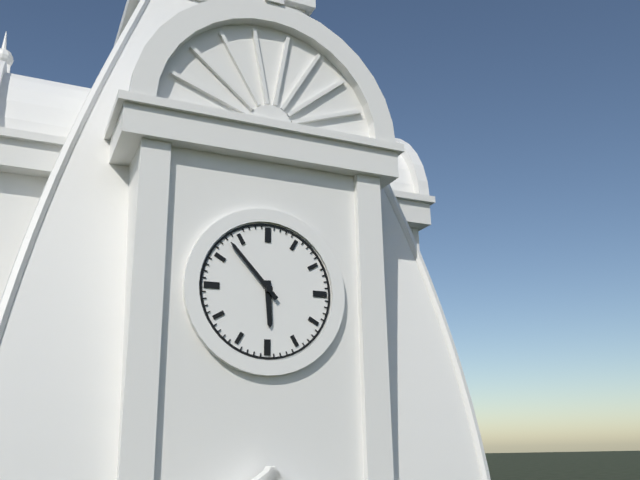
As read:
5.53
